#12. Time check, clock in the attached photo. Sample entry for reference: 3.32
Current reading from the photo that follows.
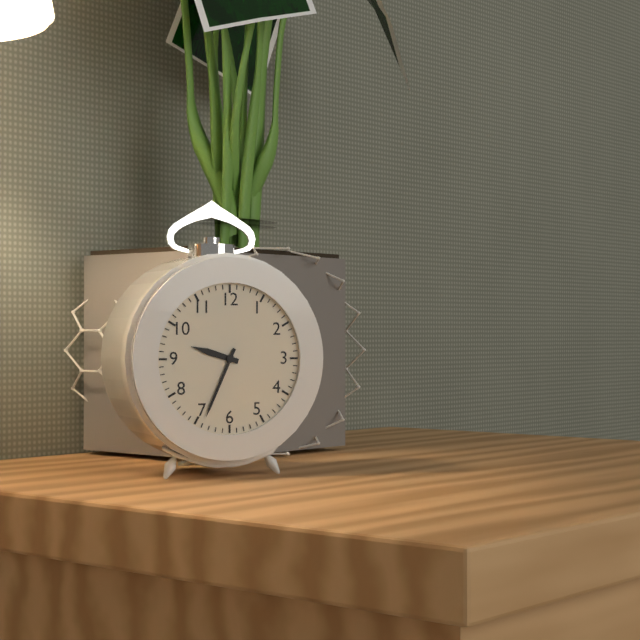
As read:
9.34
